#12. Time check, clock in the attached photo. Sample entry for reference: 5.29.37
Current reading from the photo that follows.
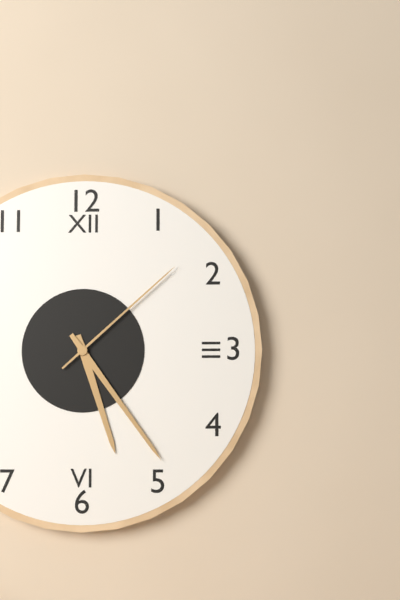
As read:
5.24.08
